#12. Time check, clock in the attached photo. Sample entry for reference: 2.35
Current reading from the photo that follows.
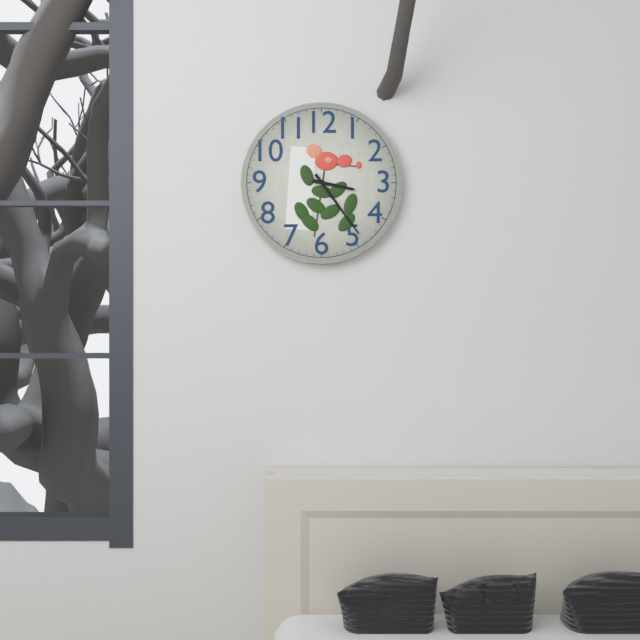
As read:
3.24
